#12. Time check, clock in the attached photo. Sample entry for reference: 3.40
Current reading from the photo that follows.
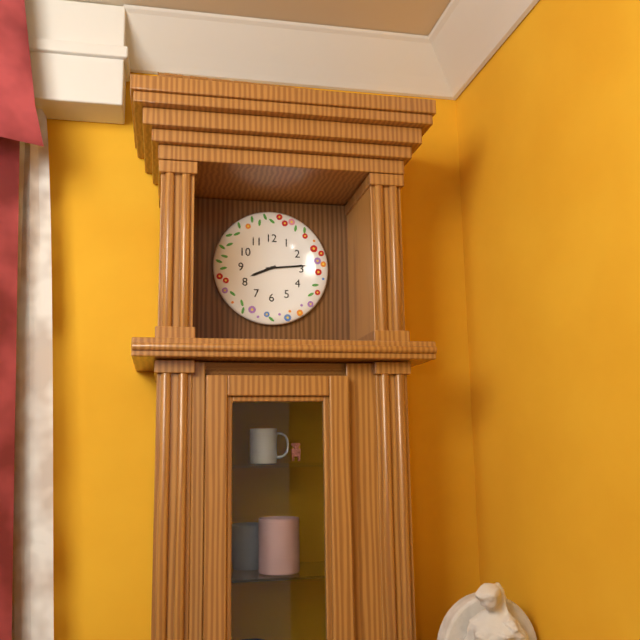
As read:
8.14
